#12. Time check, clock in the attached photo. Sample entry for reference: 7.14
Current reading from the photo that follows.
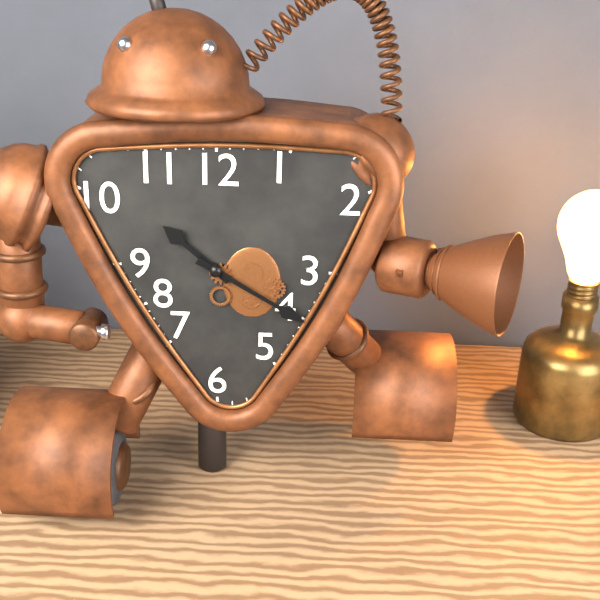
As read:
10.20
